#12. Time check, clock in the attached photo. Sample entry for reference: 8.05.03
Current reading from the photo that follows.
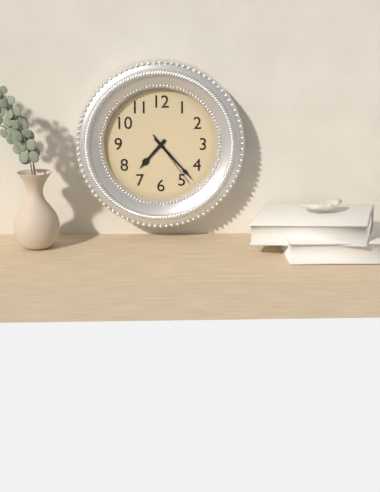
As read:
7.23.24
